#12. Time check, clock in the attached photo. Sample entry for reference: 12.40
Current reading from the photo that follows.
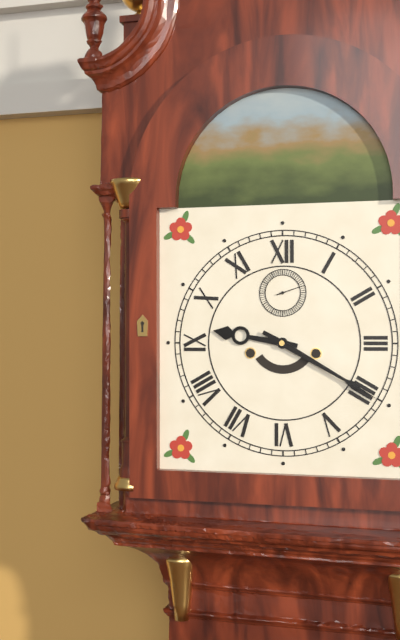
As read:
9.20
